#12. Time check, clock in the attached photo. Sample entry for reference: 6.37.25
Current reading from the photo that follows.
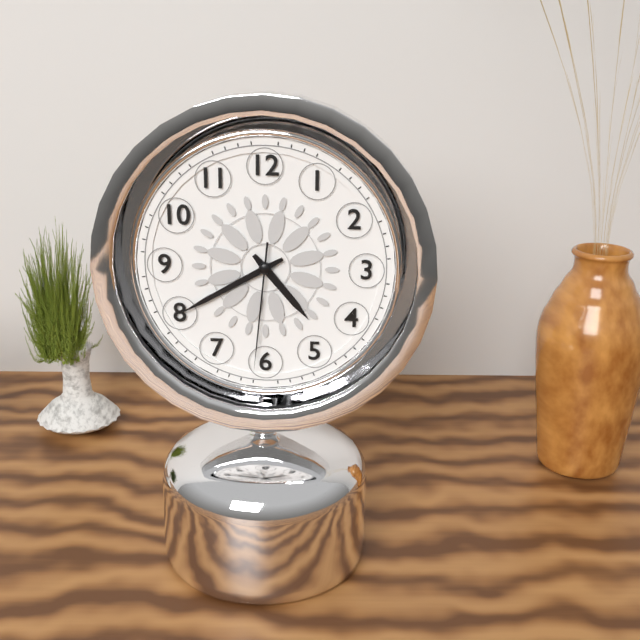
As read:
4.40.31
